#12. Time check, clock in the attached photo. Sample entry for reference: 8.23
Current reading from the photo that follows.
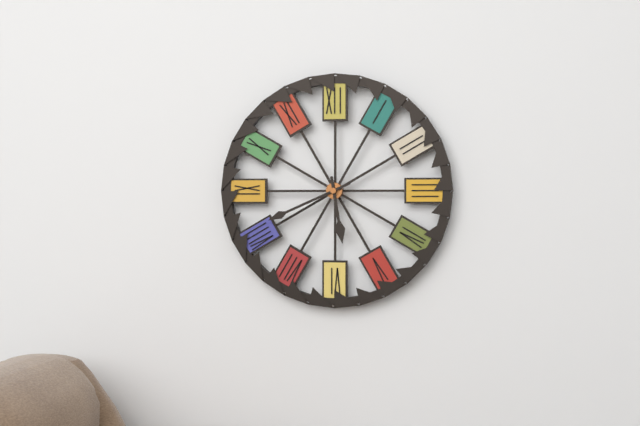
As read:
5.41
